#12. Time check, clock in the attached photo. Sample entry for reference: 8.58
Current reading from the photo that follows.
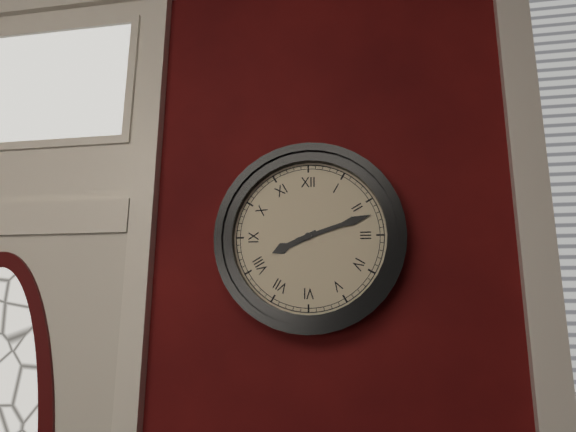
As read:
8.12
